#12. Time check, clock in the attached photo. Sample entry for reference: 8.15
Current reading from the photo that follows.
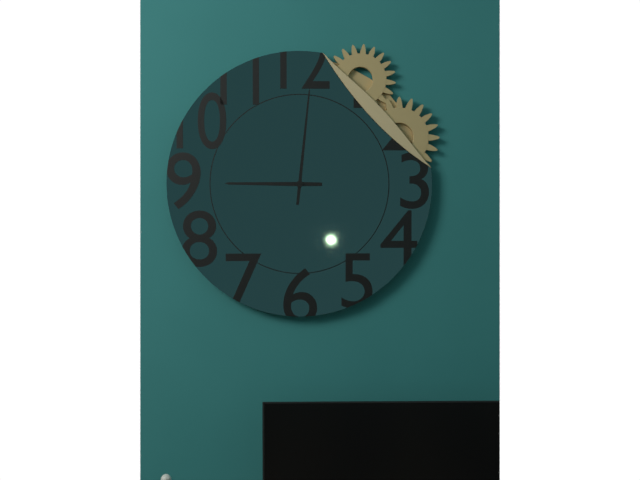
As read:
9.01
